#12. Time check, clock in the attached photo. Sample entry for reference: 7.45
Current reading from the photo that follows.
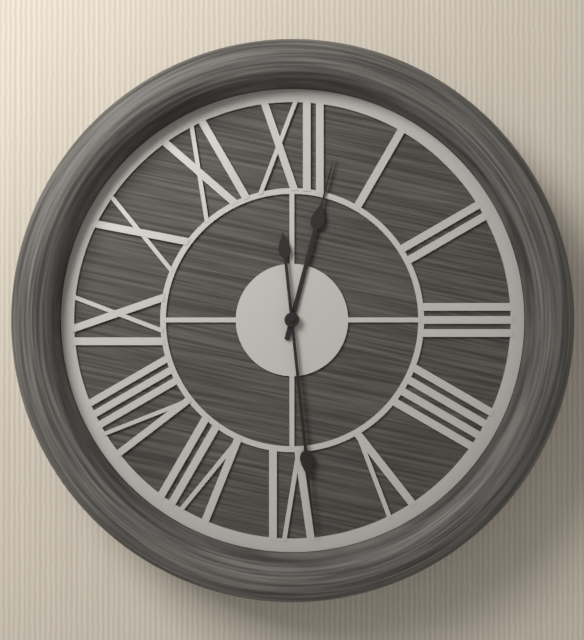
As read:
12.29
